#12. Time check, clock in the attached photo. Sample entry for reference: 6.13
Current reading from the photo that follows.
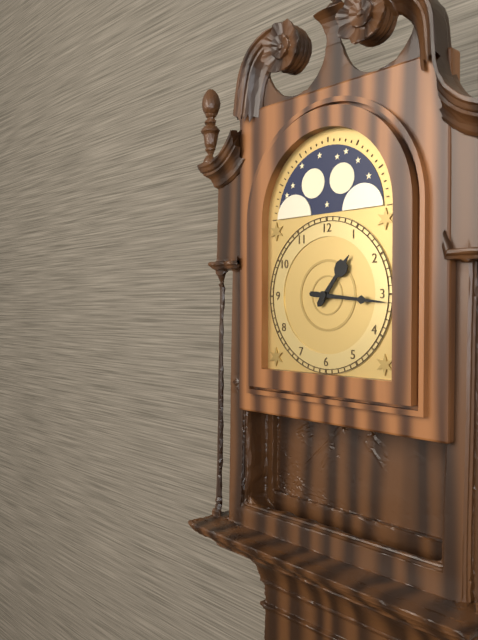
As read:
1.16
